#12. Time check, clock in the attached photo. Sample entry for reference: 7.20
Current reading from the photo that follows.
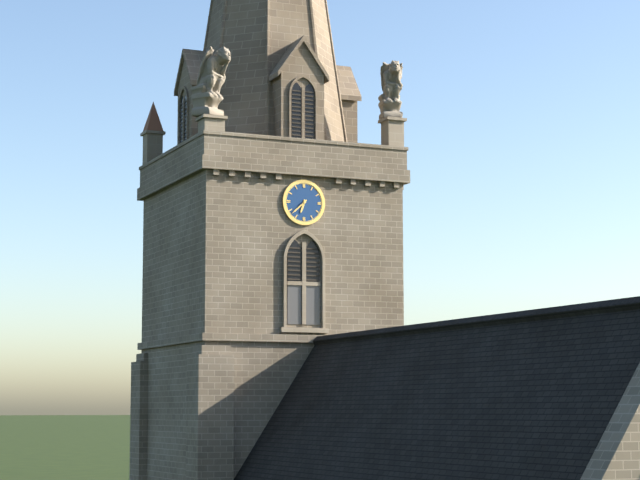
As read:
6.38
